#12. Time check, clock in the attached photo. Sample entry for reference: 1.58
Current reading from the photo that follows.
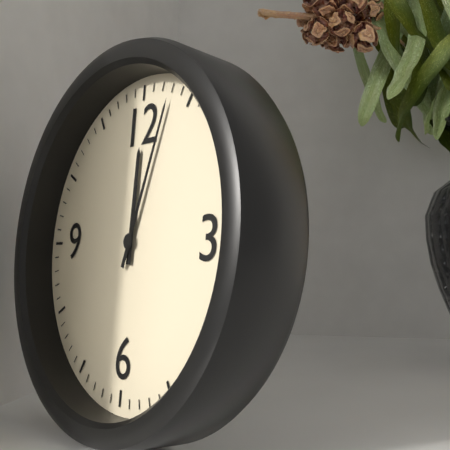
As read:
12.03
